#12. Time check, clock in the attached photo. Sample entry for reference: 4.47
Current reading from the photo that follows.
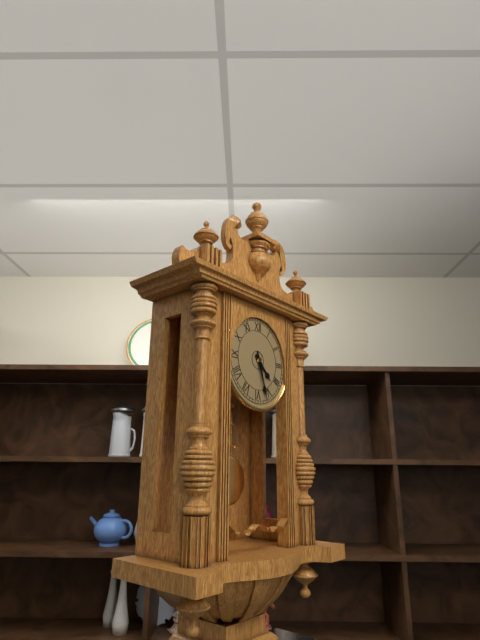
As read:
4.27
